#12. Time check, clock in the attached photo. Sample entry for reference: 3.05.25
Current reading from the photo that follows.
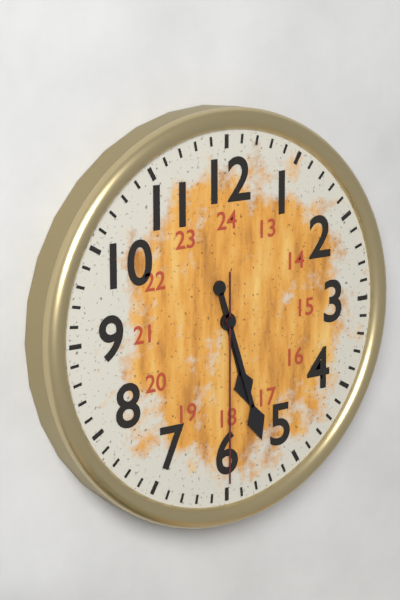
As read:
5.27.30
